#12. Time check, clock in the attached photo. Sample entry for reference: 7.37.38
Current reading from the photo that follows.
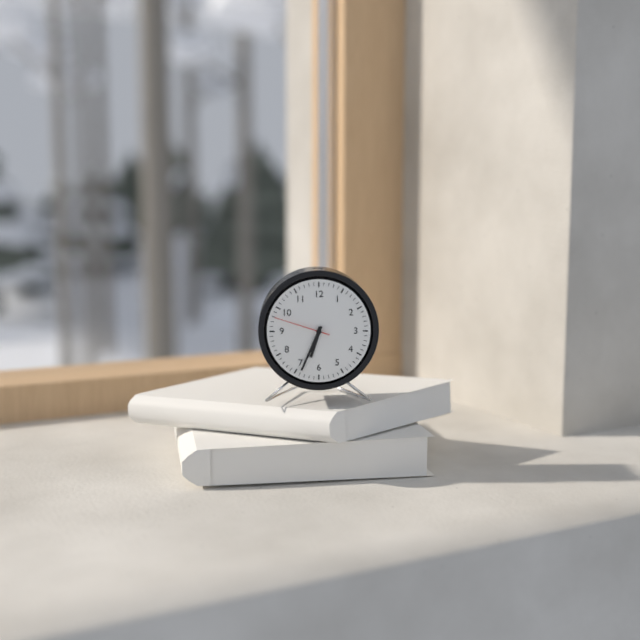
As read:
6.34.48
